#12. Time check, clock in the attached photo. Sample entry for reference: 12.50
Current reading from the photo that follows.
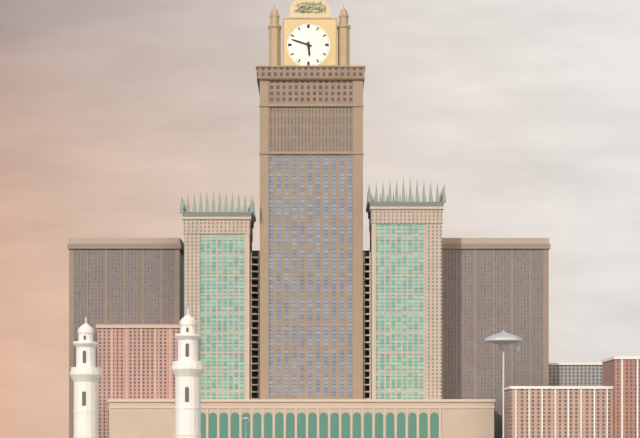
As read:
5.48
